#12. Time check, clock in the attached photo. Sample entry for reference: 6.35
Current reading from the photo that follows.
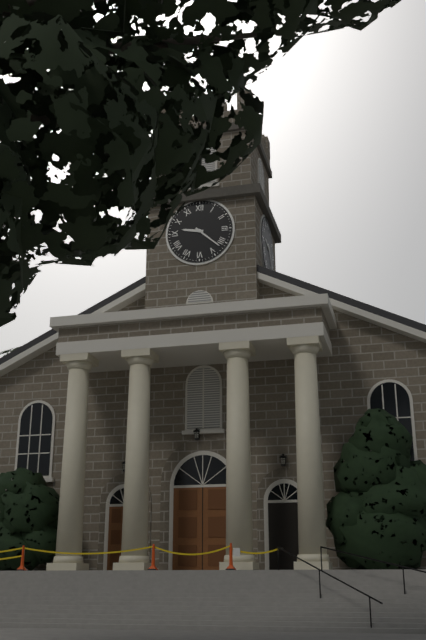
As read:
9.22
